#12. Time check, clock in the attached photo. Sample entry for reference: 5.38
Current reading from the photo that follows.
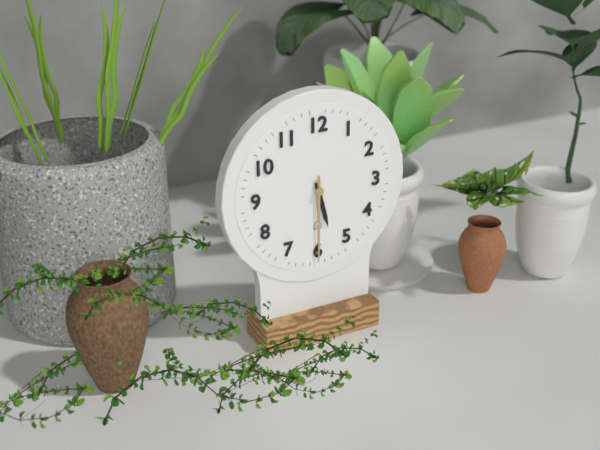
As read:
5.30
